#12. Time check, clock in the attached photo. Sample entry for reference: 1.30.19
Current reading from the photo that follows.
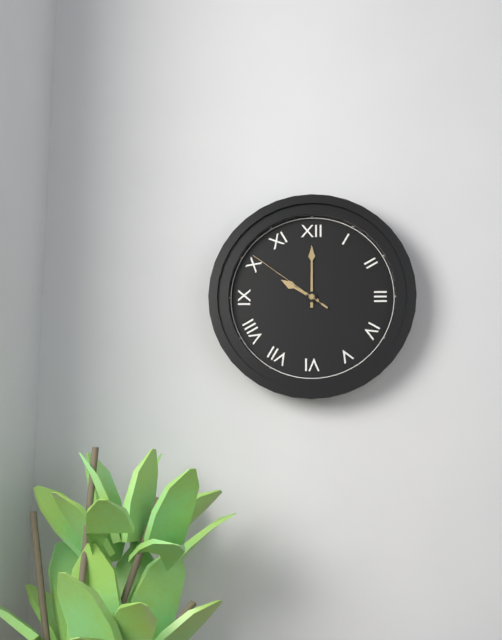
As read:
10.00.51
